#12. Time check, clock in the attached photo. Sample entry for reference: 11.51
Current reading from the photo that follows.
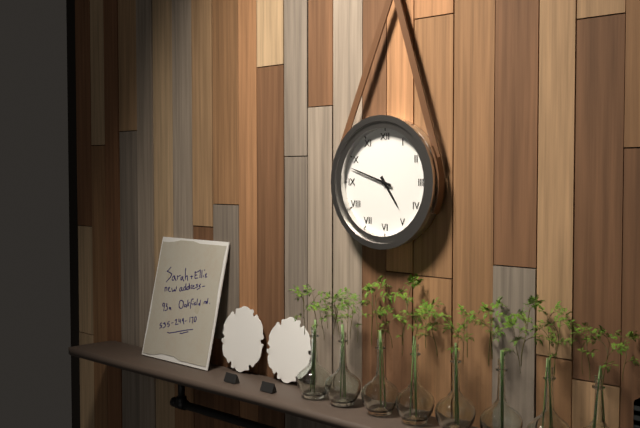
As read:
4.48
